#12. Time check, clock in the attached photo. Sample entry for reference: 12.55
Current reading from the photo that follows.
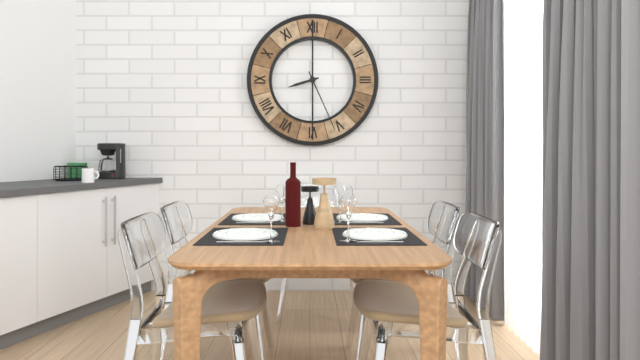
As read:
8.26
